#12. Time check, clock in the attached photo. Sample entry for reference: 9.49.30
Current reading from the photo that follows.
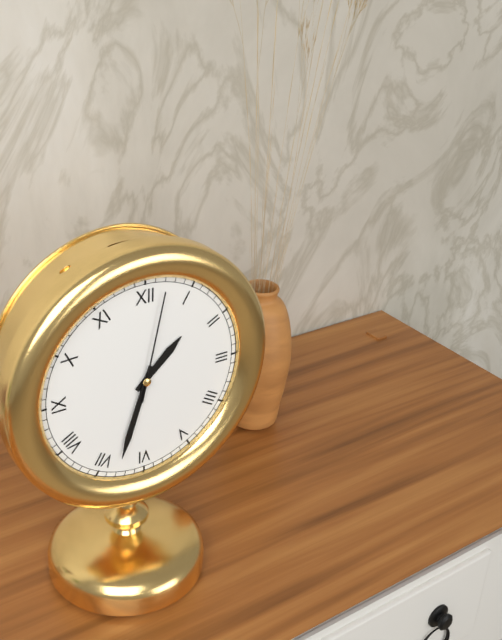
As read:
1.33.02
